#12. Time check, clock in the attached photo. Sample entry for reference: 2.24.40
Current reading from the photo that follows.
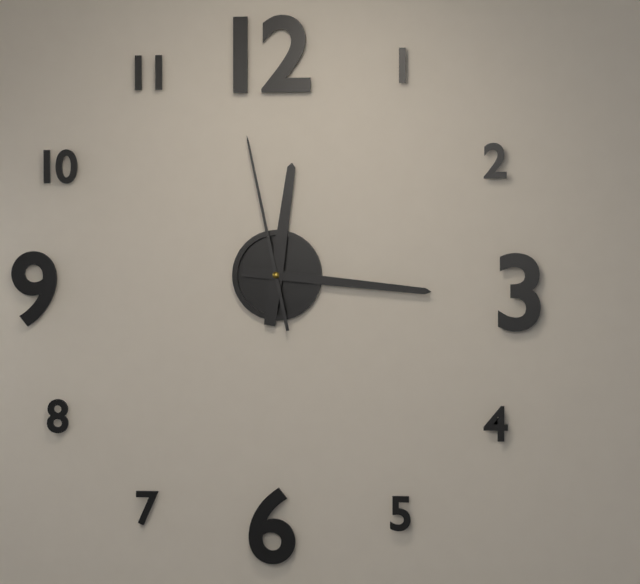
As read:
12.16.58
